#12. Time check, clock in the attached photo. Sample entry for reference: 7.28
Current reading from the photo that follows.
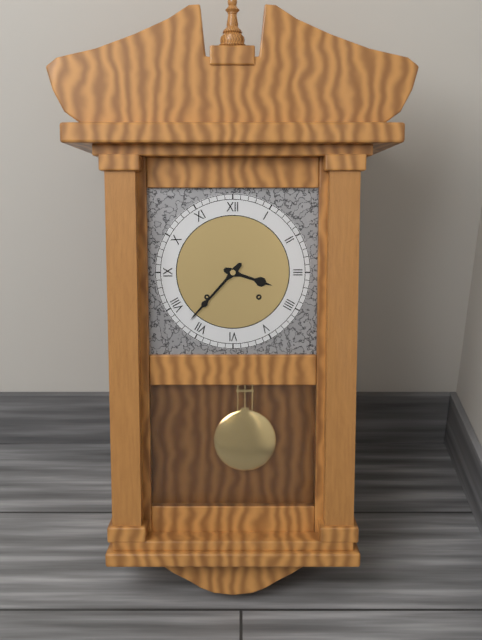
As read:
3.37
